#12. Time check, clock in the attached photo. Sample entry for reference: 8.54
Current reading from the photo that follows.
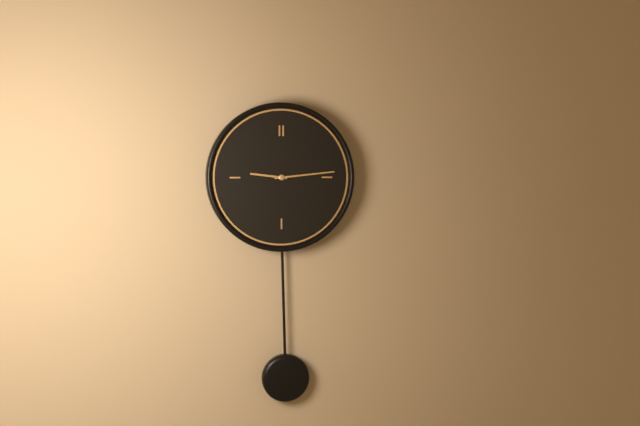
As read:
9.14
